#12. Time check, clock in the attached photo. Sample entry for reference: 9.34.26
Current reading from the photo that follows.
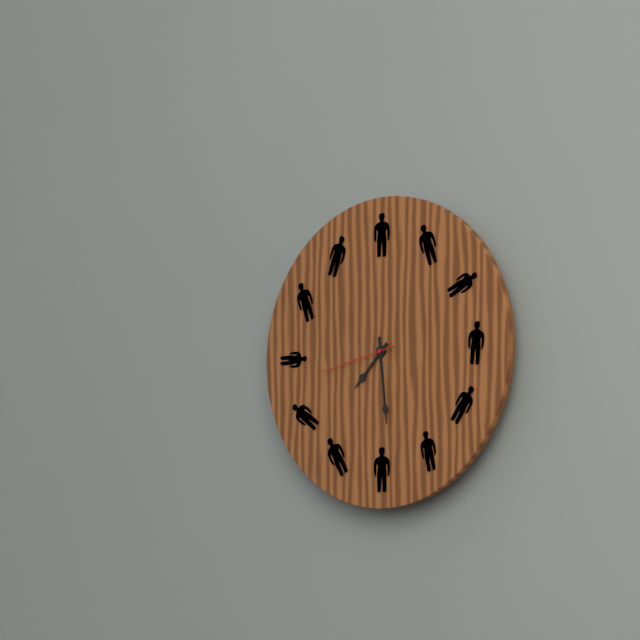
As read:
7.29.43
